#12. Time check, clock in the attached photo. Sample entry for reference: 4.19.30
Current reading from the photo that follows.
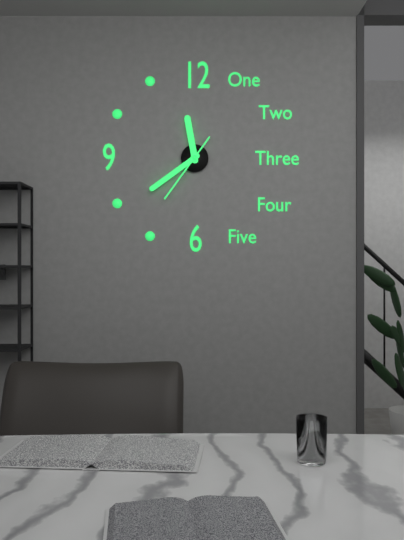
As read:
11.39.36
